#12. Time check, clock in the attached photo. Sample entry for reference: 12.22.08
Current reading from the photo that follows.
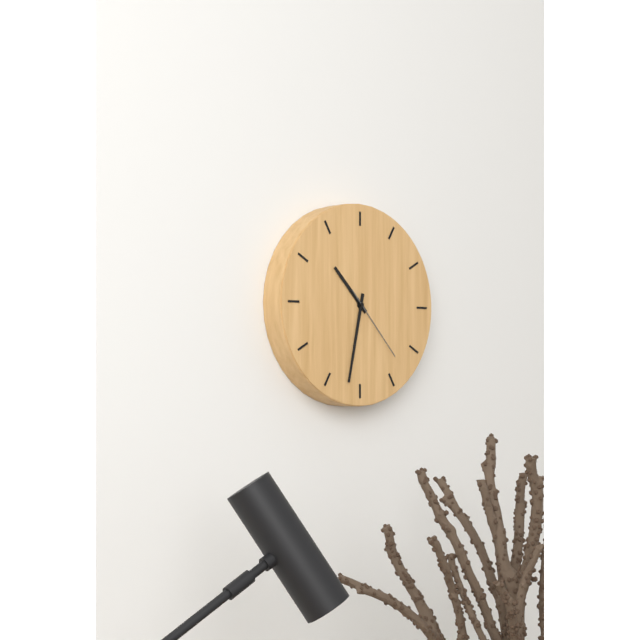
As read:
10.32.23
